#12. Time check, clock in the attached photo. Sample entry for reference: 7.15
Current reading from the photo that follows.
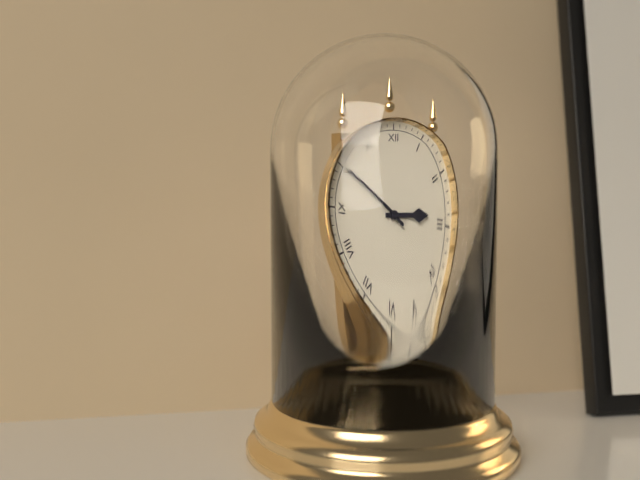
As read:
2.50
